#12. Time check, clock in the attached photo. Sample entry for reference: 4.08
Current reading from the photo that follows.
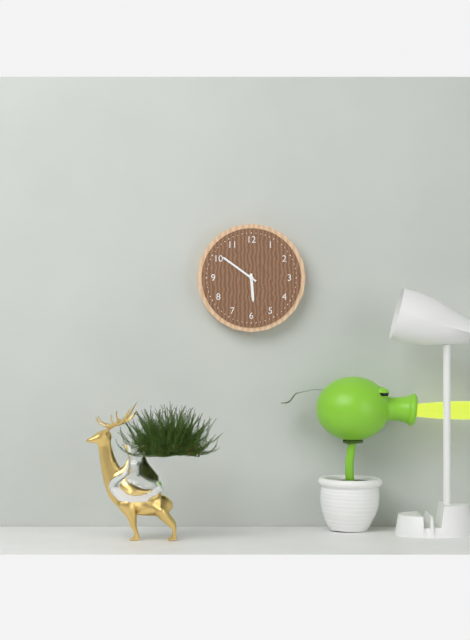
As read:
5.51
